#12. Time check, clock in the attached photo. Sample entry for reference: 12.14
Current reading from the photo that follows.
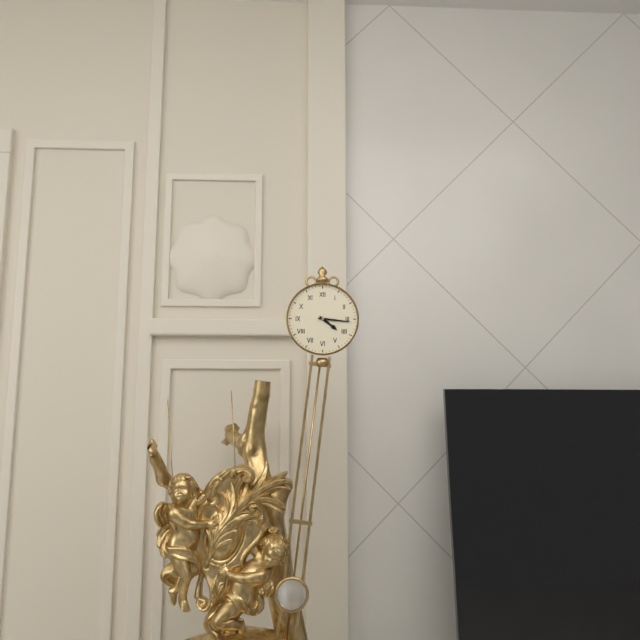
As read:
4.16
